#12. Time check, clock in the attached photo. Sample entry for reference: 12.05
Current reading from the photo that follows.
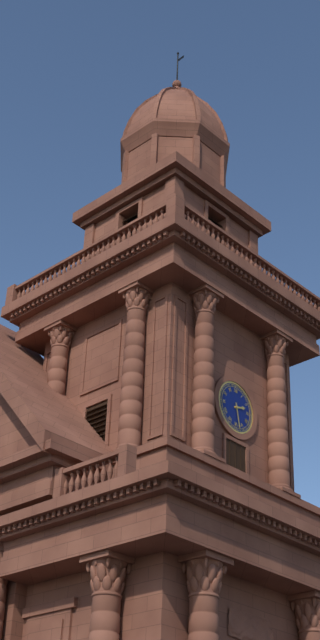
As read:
2.28
